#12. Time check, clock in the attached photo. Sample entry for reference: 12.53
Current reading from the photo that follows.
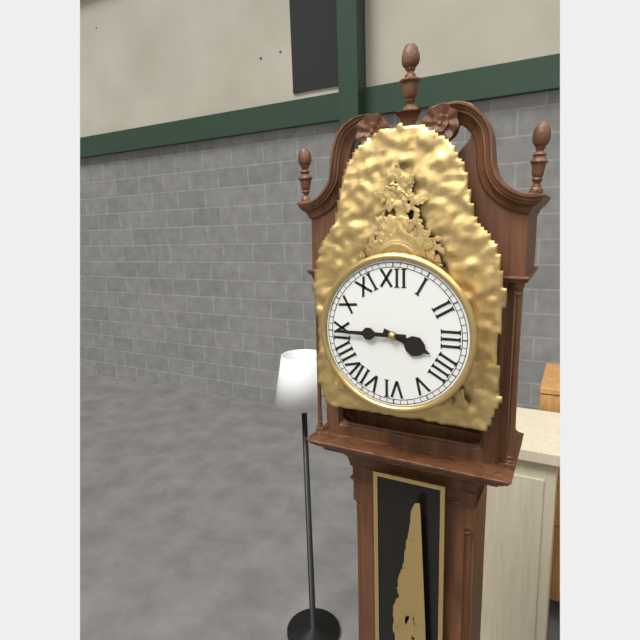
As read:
3.45
